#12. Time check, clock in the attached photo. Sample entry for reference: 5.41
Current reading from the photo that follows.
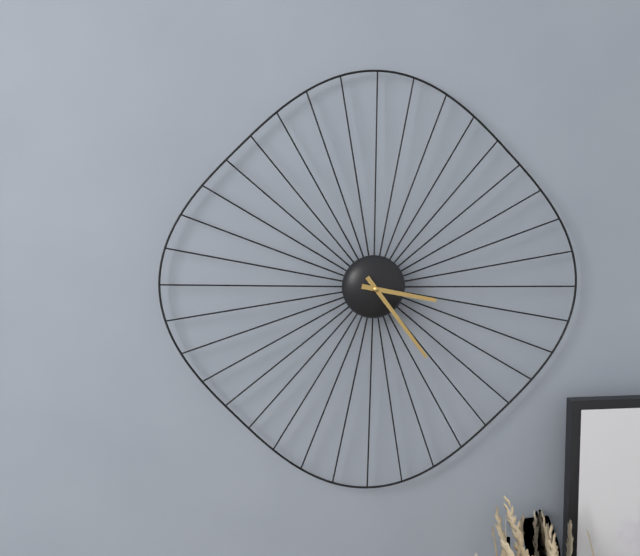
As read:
3.24
